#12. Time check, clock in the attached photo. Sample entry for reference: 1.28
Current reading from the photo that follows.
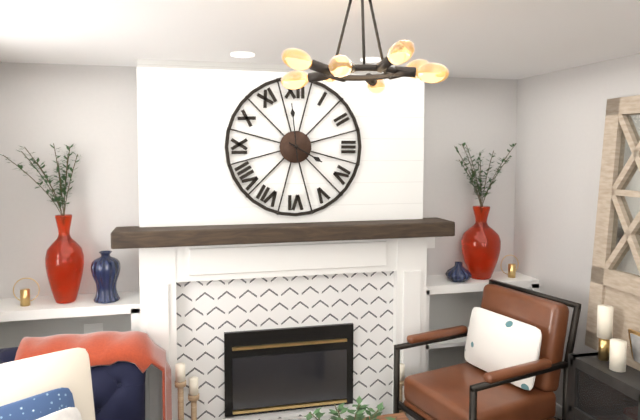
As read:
3.59
